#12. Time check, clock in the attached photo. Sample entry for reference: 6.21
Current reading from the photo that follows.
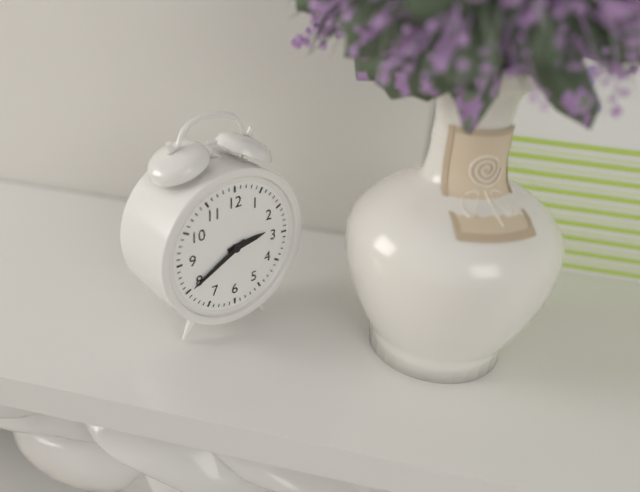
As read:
2.40
